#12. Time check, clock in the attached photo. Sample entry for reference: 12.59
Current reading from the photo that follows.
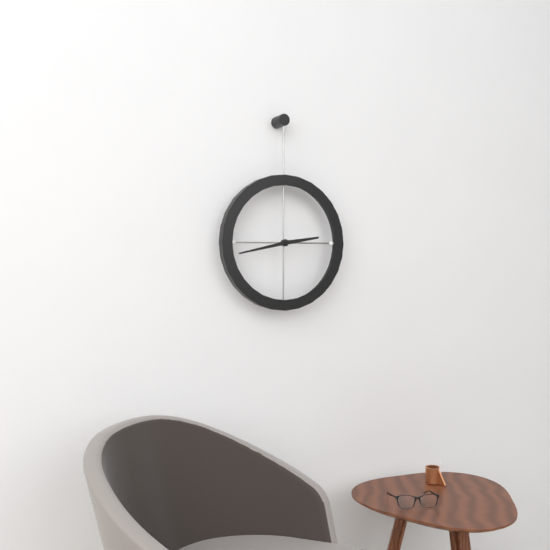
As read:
2.43
